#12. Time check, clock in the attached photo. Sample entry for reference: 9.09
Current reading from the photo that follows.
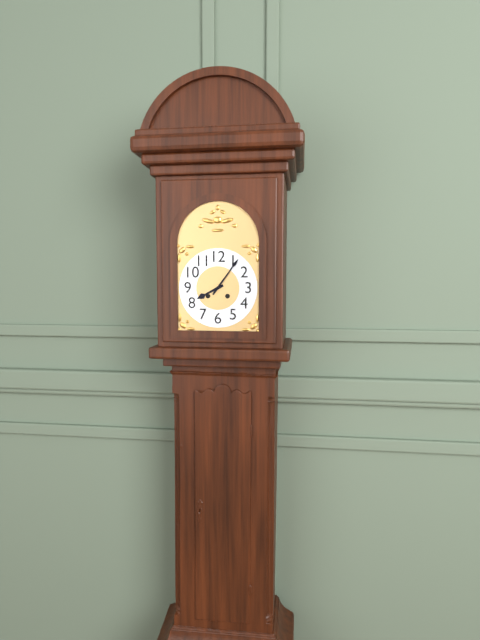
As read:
8.06
